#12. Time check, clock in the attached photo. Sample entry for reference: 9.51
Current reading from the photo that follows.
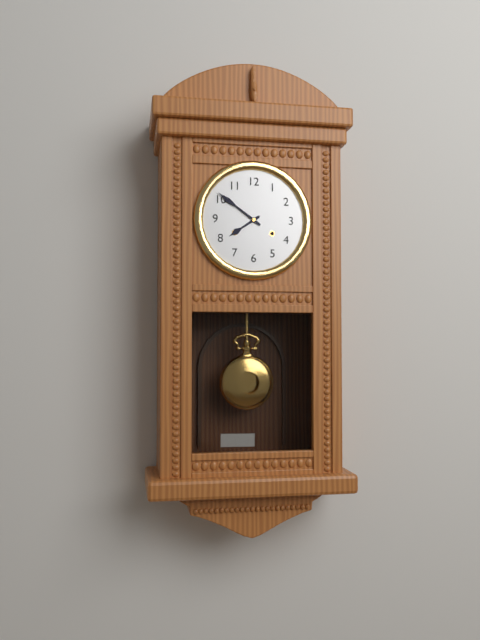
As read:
7.51
